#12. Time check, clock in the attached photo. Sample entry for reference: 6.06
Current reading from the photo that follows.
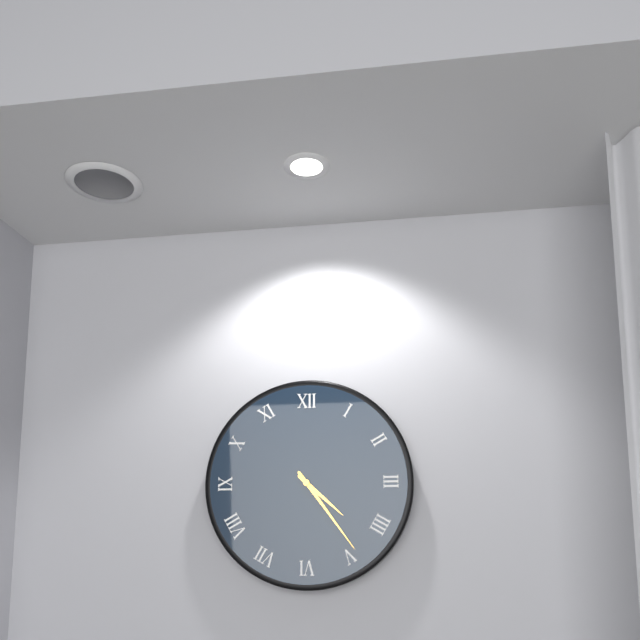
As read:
4.24
